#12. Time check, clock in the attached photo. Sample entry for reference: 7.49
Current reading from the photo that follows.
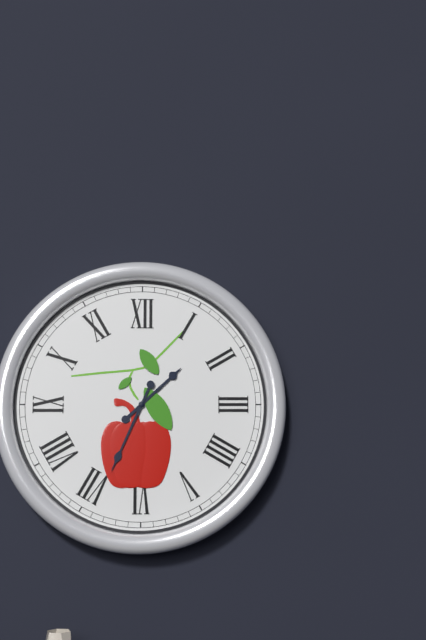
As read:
1.34
